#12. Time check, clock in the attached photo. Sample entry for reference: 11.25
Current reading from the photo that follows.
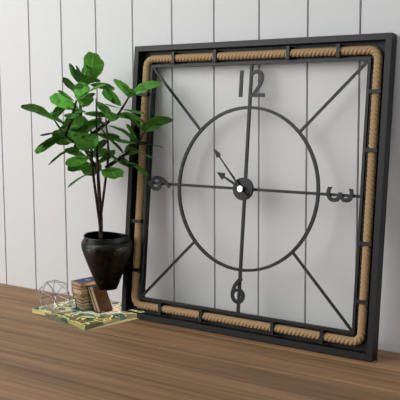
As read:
9.53
